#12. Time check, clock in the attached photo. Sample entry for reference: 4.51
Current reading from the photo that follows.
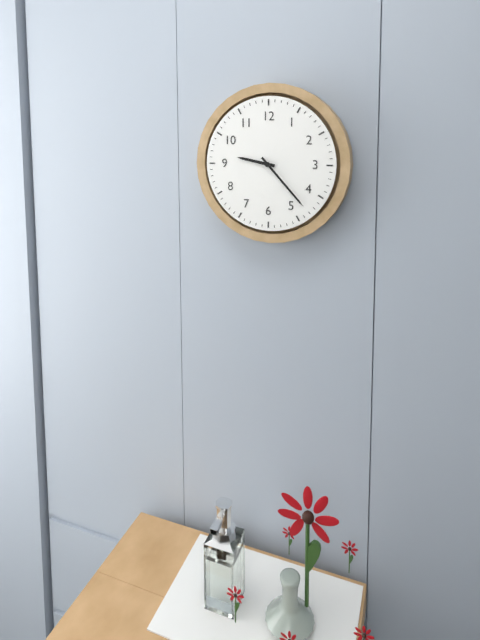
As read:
9.23
